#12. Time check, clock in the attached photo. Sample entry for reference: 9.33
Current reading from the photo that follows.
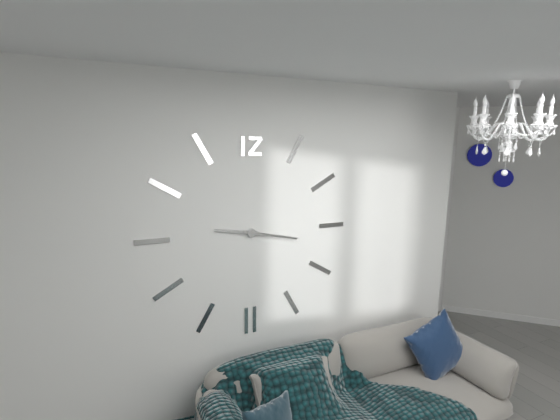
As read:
9.17
